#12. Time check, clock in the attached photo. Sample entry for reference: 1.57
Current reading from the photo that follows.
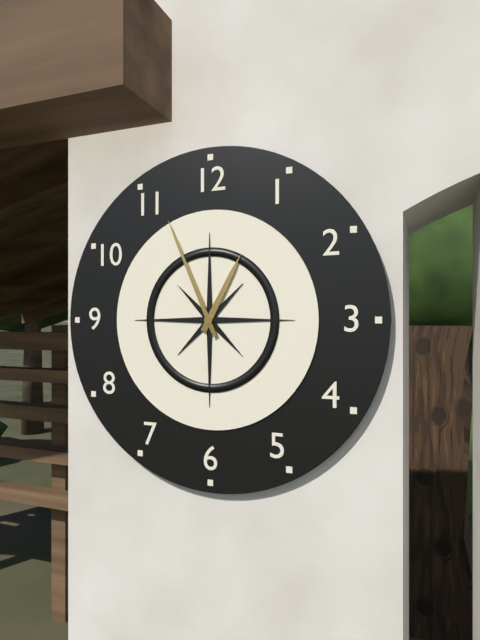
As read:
12.56
